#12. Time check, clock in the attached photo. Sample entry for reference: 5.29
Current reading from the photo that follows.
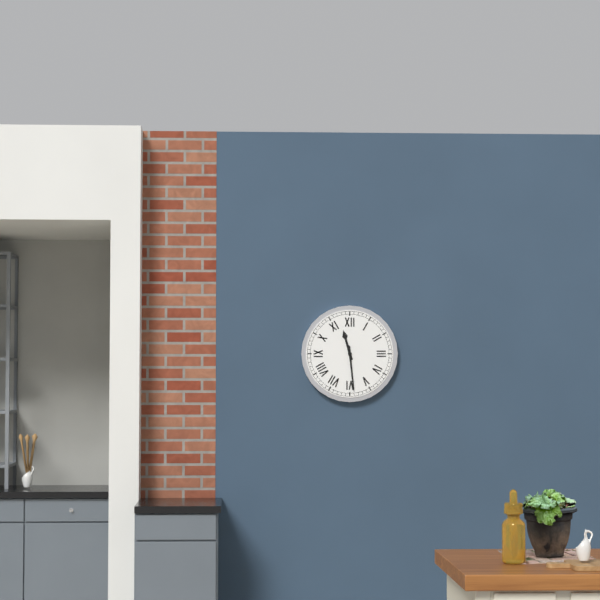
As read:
11.29
